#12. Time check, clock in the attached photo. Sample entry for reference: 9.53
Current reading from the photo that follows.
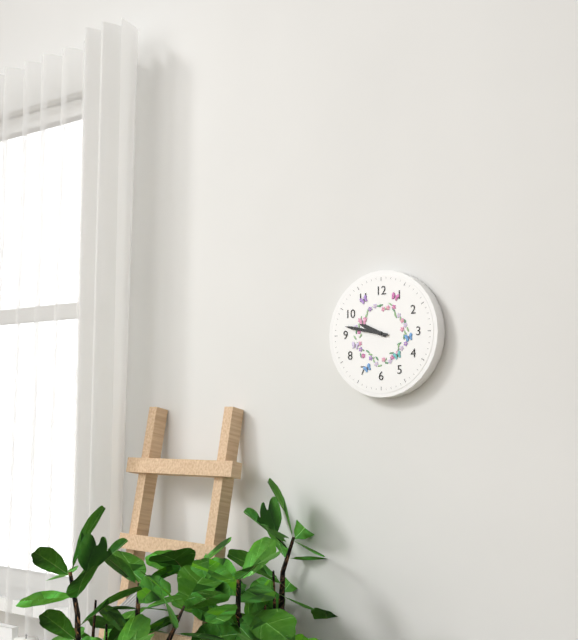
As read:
9.47
